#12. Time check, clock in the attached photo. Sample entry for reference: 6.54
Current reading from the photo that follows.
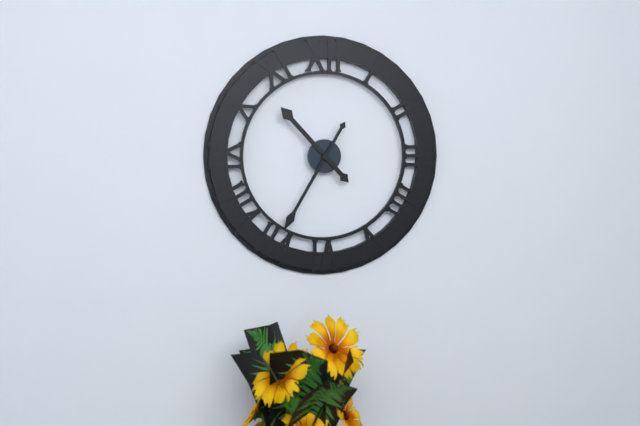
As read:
10.35
